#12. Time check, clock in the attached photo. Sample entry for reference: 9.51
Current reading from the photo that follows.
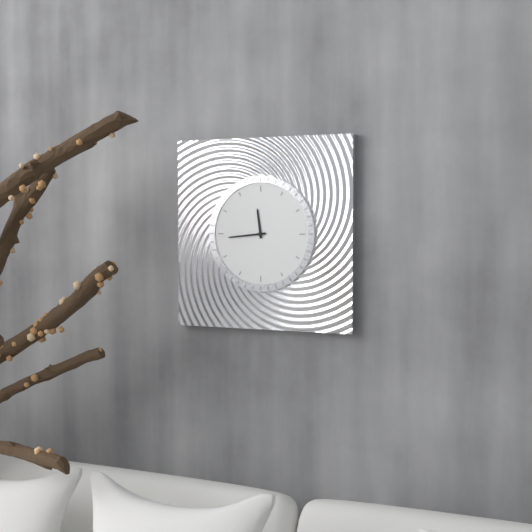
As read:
11.44
